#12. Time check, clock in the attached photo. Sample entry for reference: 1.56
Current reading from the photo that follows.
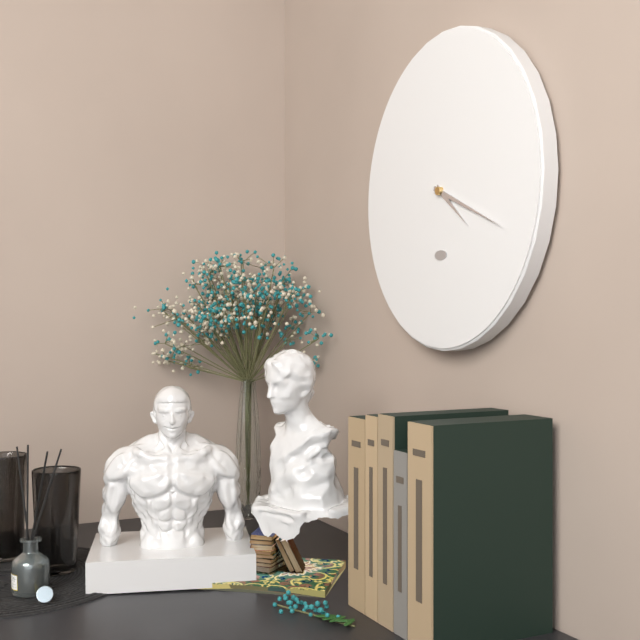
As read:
4.19
